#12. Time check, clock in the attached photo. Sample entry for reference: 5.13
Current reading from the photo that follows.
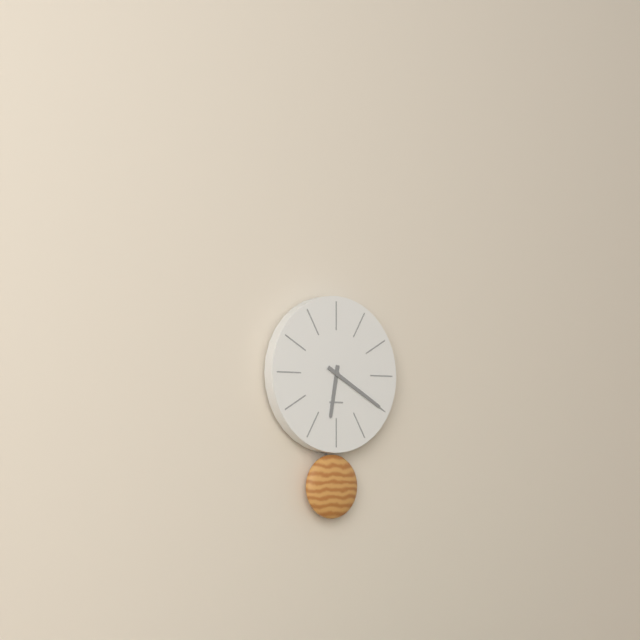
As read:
6.20
